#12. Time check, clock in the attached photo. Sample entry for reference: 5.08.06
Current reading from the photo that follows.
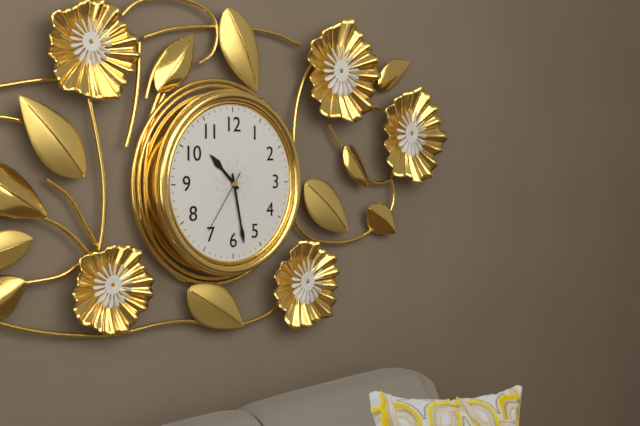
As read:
10.28.36
